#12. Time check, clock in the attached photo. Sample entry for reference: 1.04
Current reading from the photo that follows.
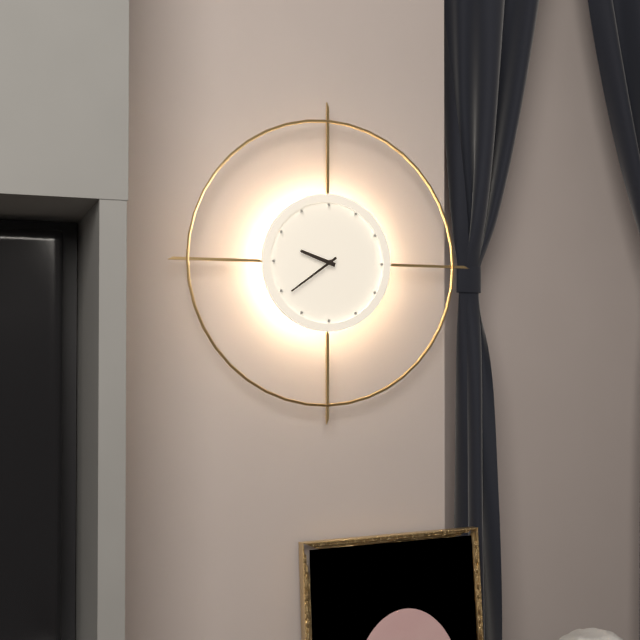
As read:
9.39
